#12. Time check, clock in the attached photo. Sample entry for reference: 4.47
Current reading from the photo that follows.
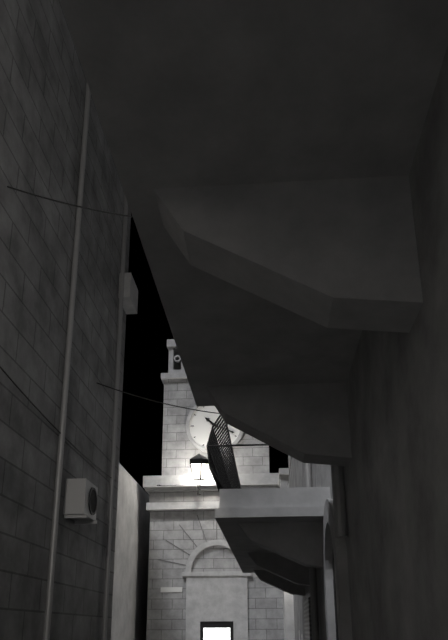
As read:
10.19
